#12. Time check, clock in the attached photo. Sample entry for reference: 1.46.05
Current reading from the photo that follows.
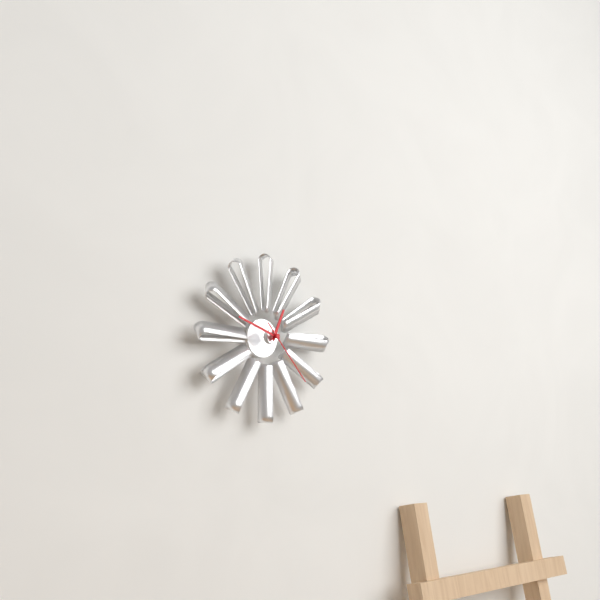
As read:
12.48.23
